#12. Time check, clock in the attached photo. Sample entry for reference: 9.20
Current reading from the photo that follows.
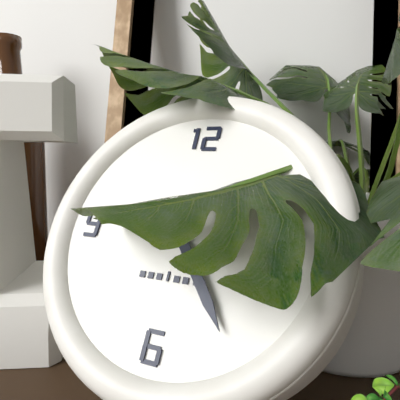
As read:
9.24
